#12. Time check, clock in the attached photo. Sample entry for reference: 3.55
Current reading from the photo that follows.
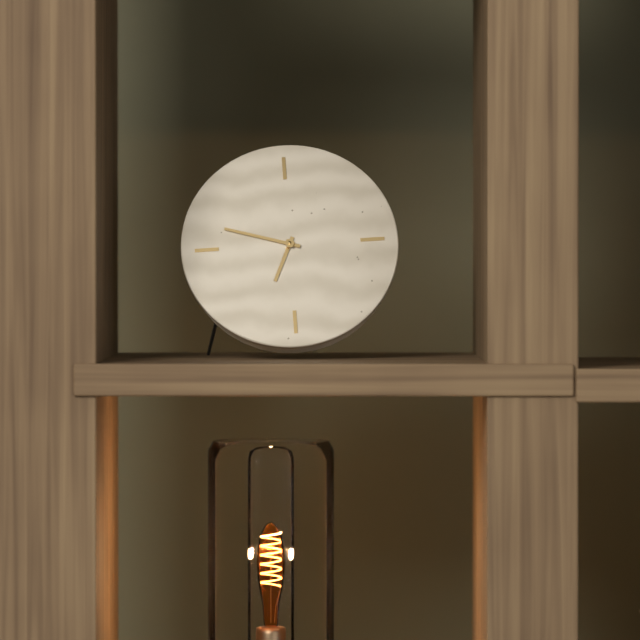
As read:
6.48
